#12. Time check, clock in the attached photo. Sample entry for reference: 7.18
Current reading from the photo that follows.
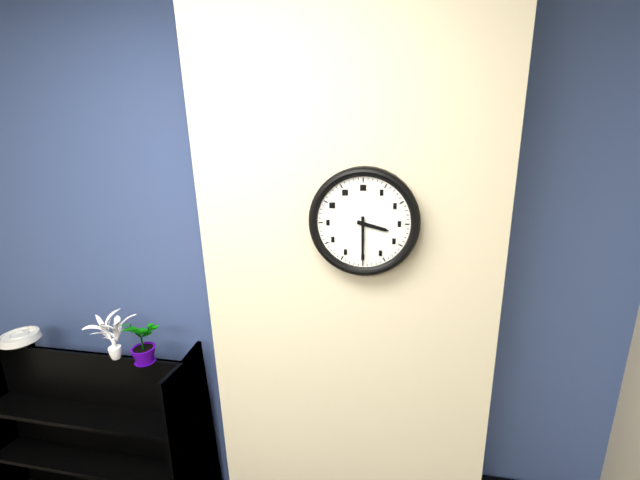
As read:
3.30
